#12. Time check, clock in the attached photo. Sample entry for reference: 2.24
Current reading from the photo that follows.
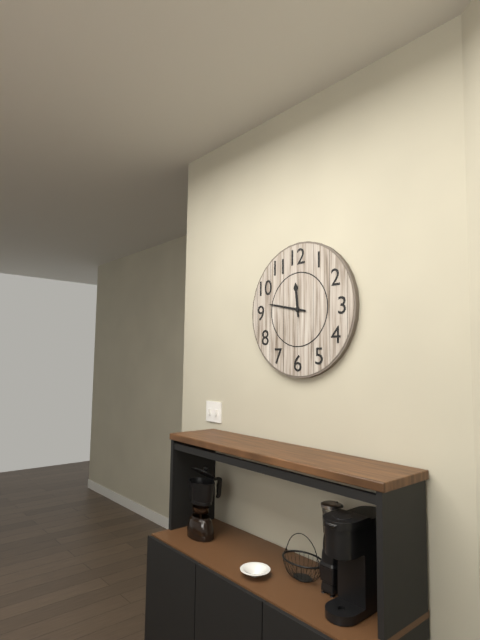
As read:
11.47
